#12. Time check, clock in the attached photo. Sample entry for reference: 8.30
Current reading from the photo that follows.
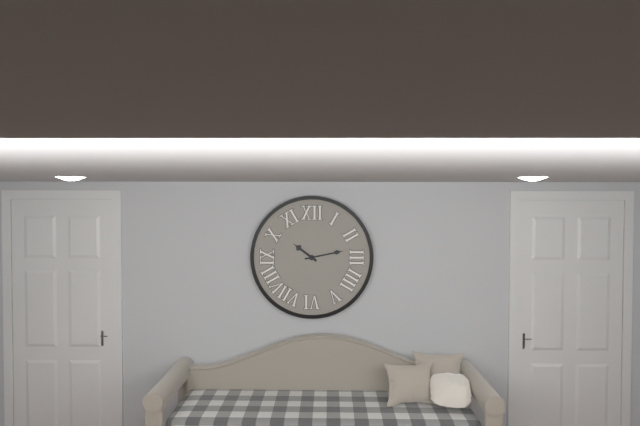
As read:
10.13
